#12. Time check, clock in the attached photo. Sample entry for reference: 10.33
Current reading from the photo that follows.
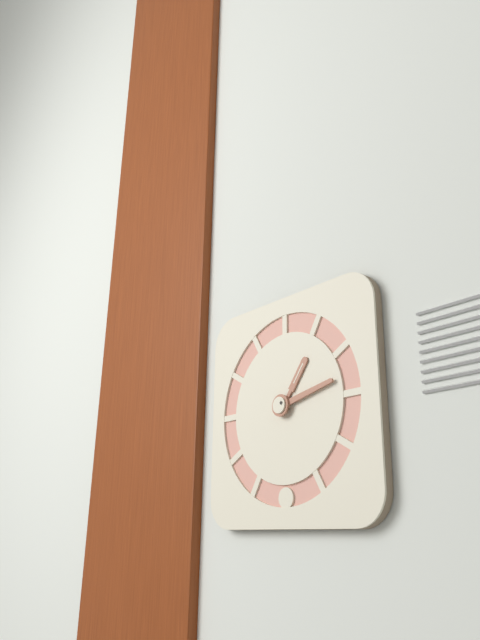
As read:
1.13
